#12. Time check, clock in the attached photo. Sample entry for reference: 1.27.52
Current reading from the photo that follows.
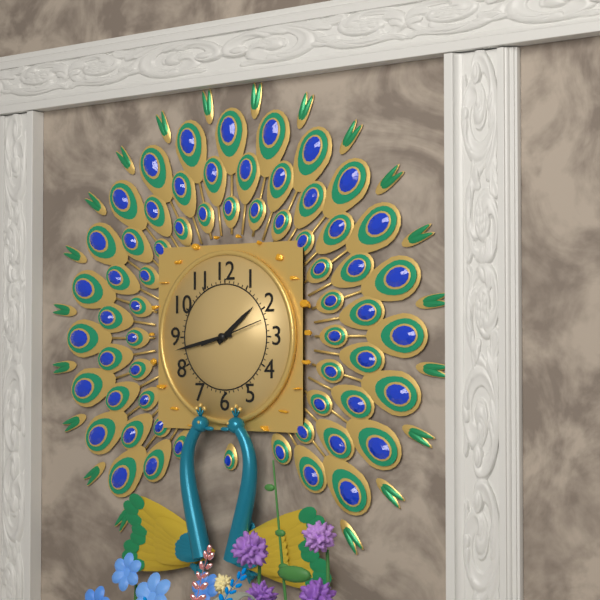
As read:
1.43.12
